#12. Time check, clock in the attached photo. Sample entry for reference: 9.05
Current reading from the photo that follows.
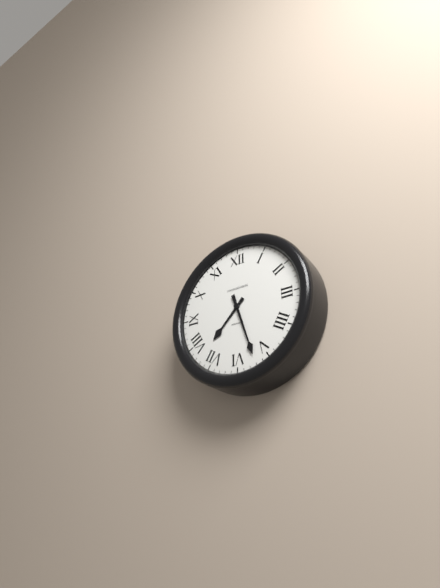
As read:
7.27
